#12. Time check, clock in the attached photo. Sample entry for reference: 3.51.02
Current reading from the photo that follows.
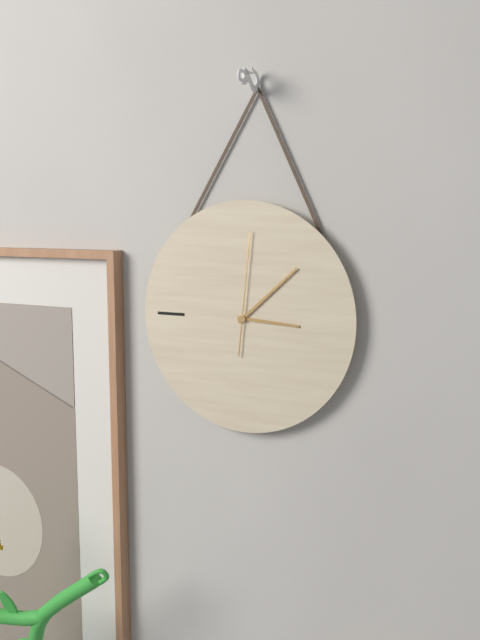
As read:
3.08.01
